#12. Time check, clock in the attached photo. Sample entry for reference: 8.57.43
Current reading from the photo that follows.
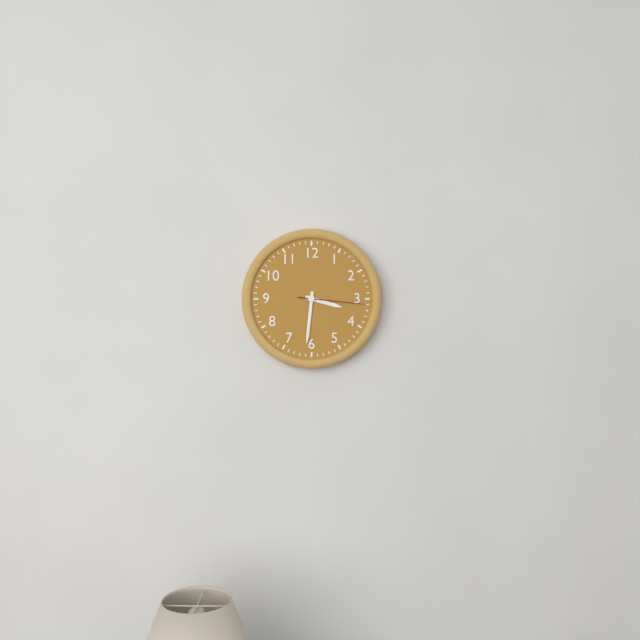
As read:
3.31.16
